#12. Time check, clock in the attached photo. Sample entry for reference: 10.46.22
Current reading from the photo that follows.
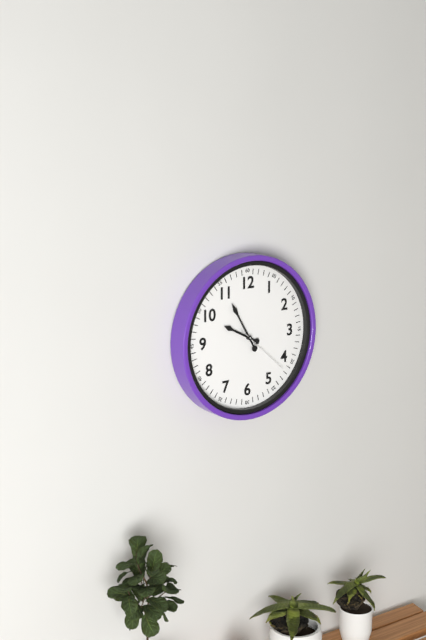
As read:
9.55.22
